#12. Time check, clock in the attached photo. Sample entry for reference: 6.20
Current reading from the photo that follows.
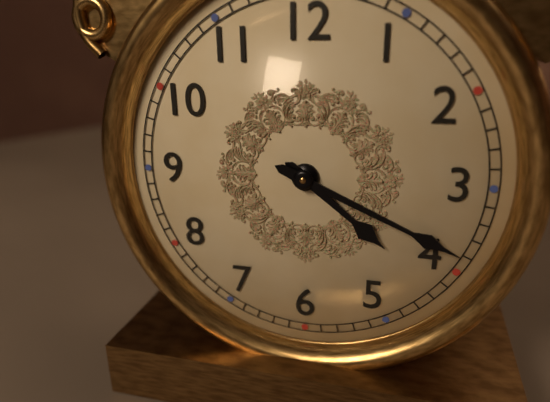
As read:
4.19
